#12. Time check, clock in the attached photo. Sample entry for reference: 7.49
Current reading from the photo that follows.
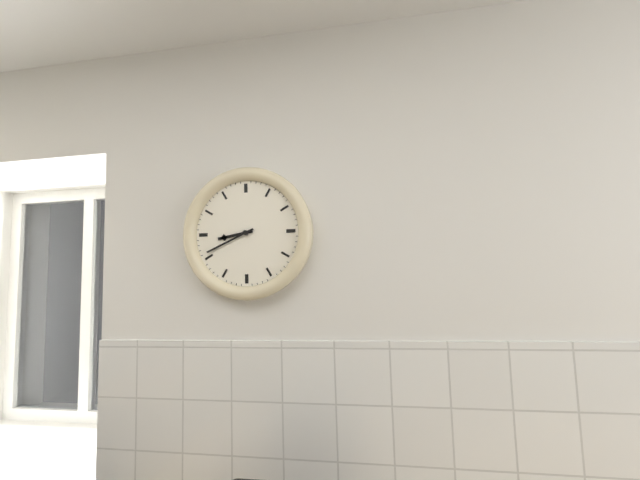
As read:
8.41
